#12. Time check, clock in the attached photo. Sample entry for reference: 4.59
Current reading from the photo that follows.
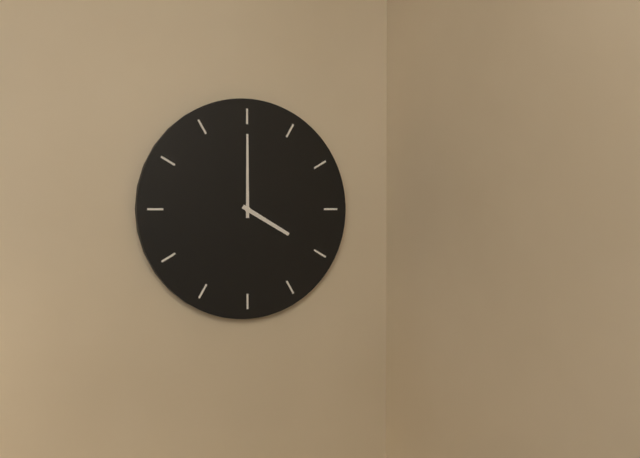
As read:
4.00
